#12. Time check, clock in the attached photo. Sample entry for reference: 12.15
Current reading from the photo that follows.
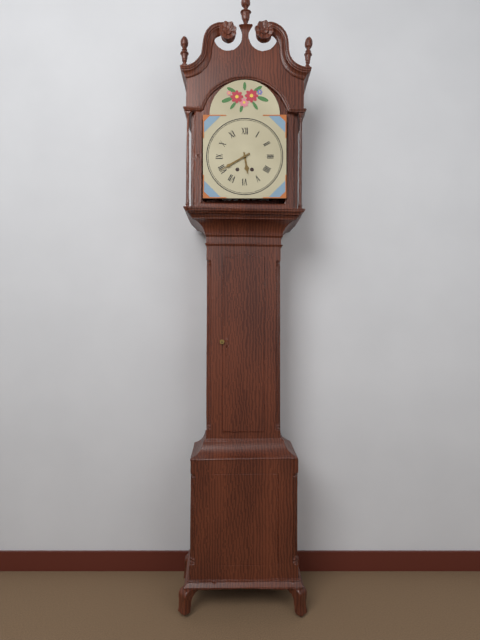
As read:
5.40
